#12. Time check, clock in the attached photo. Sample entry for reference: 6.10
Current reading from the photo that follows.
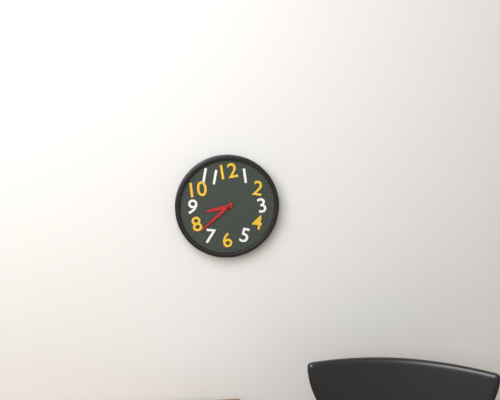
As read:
8.38
